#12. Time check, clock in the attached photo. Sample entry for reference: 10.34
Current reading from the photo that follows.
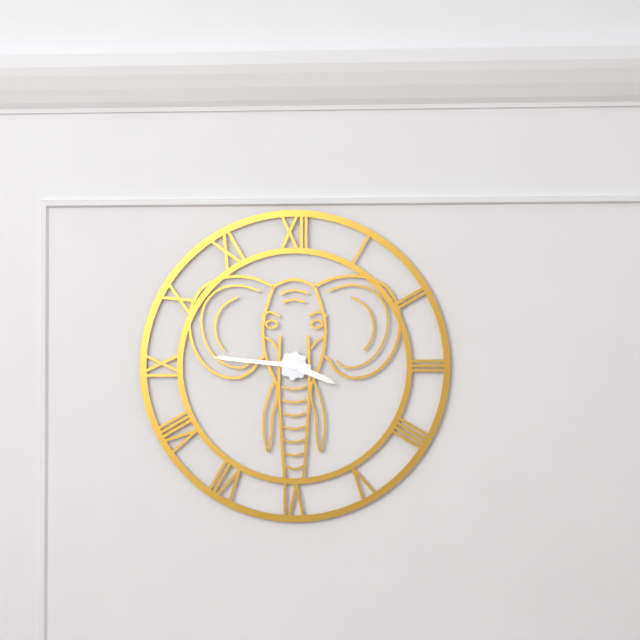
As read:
3.46
